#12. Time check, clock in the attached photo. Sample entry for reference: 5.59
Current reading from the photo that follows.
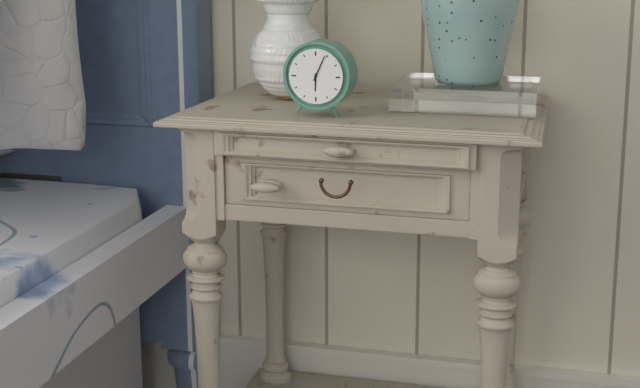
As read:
6.04
